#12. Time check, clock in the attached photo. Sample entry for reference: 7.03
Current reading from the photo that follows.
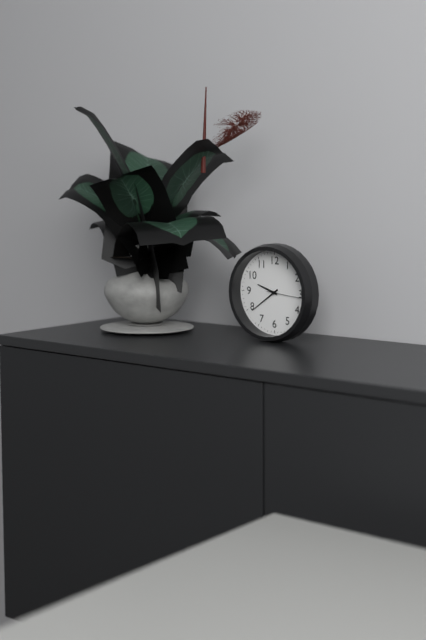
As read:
9.39
